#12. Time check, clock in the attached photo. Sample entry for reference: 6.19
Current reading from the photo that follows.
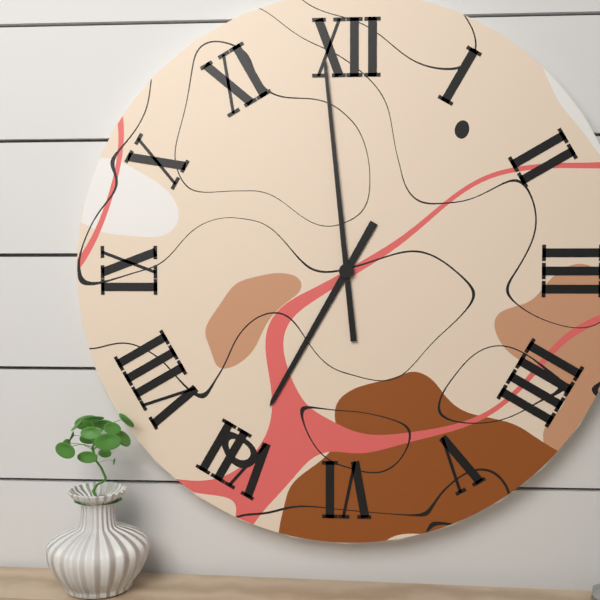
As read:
6.59
